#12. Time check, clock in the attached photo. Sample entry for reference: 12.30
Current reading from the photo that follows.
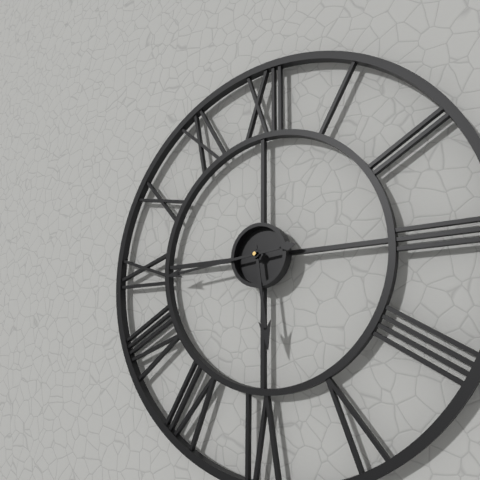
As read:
5.44
